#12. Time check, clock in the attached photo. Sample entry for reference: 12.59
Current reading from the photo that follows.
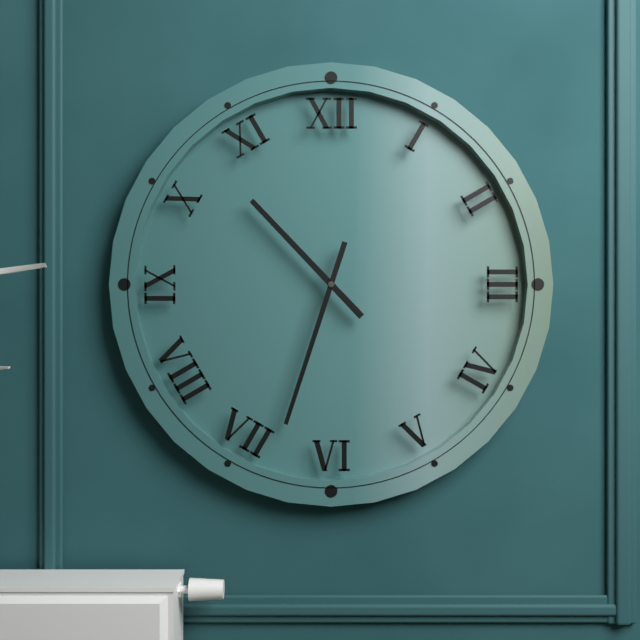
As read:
10.33
